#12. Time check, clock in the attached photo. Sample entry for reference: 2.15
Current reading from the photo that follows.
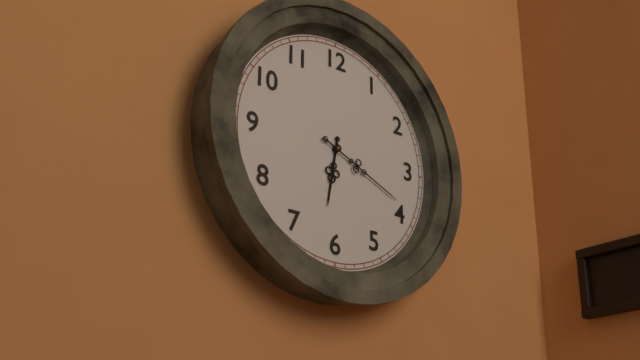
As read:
6.19
